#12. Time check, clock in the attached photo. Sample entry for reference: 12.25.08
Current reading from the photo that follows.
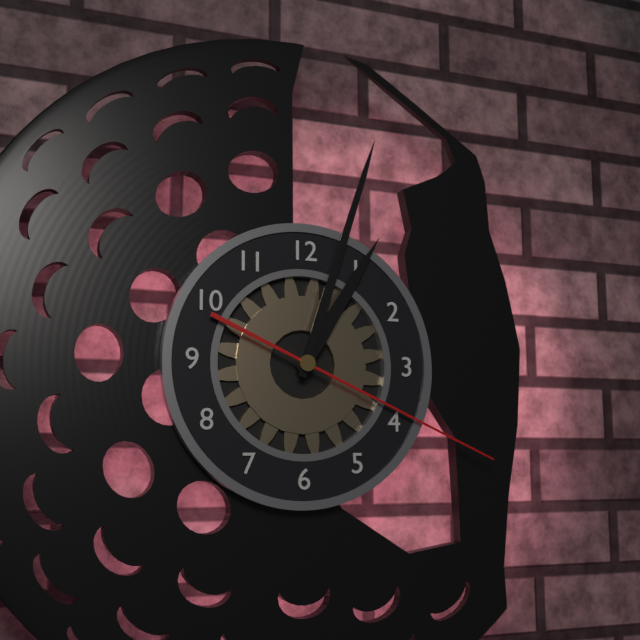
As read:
1.03.19
